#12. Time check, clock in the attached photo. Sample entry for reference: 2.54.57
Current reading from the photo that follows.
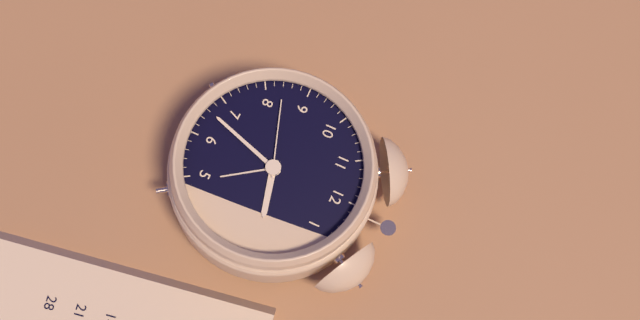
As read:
2.33.42
